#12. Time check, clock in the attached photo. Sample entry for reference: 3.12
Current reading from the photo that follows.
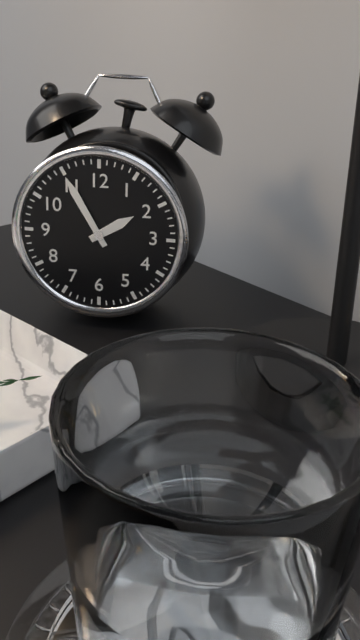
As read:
1.55
